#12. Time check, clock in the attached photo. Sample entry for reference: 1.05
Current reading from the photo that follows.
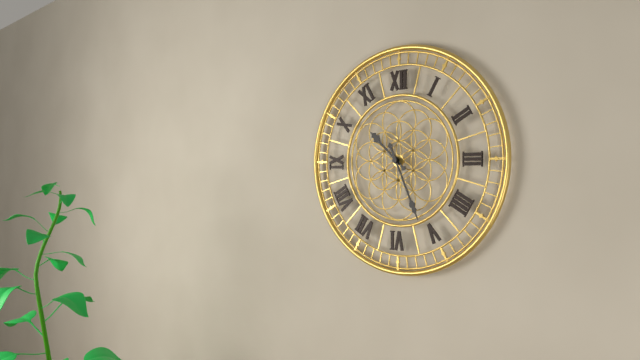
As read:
10.26
